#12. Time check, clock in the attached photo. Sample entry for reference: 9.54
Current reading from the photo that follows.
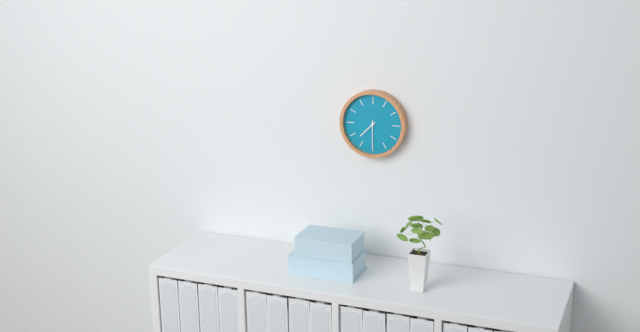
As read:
7.30
